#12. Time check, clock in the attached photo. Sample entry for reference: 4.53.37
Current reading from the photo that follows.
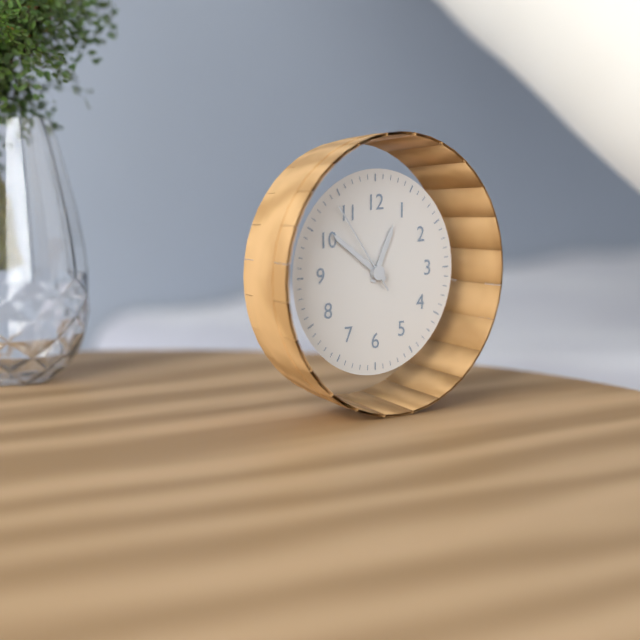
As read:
12.51.54
